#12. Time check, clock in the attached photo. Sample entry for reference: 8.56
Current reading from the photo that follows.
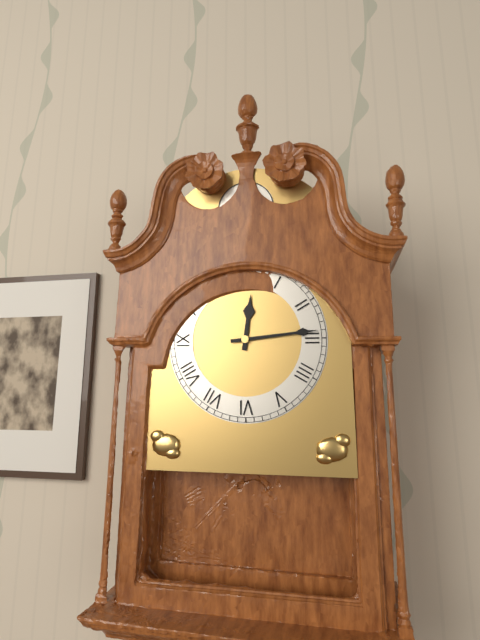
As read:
12.14
